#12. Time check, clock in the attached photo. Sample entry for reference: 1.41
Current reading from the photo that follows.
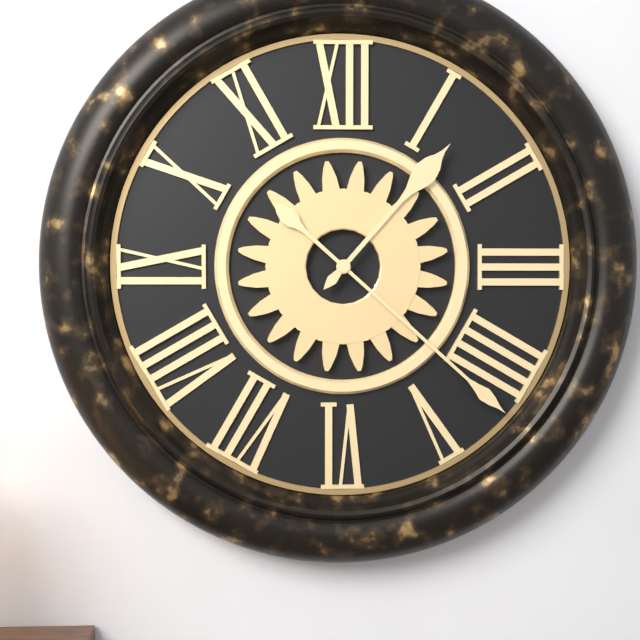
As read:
1.22
